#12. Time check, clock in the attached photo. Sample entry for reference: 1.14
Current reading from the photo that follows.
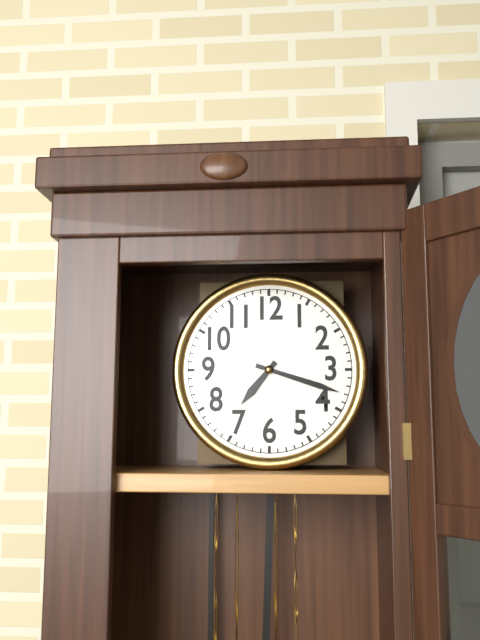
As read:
7.18
